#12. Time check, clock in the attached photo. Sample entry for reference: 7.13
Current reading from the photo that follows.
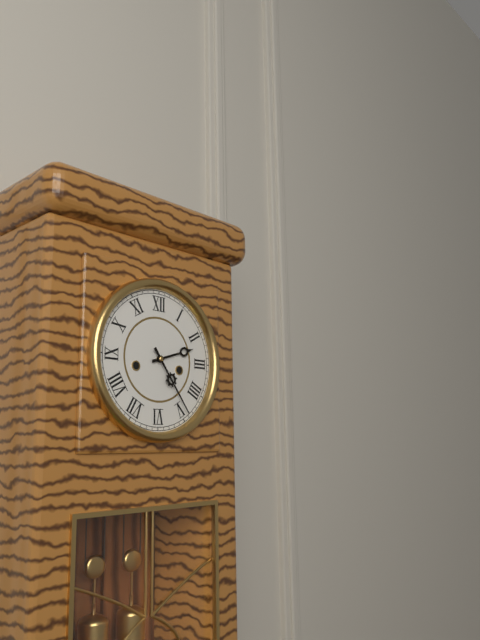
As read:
2.24
